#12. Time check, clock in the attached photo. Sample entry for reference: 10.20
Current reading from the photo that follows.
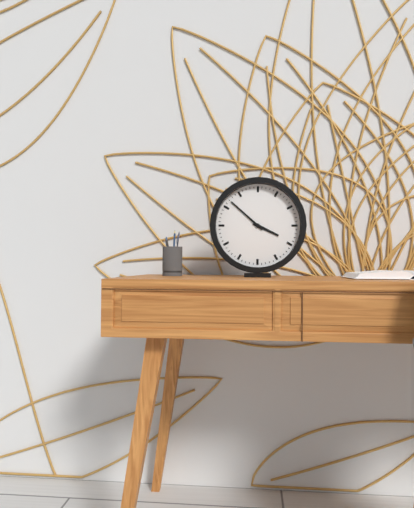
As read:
3.52
